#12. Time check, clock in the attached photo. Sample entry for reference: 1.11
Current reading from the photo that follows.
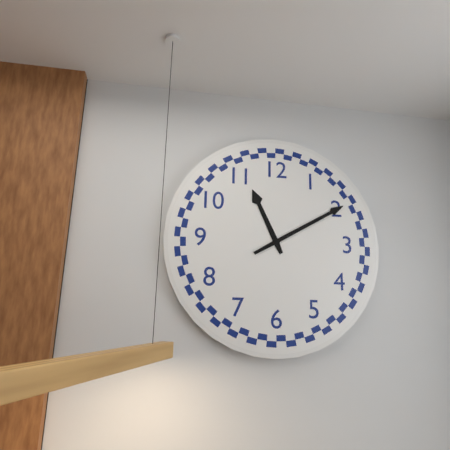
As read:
11.10
